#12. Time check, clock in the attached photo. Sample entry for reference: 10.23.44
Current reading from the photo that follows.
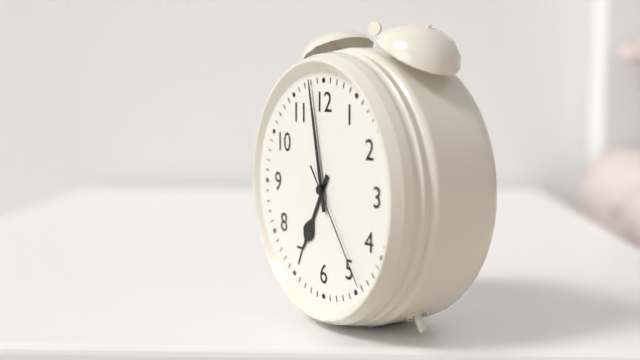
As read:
6.58.24
